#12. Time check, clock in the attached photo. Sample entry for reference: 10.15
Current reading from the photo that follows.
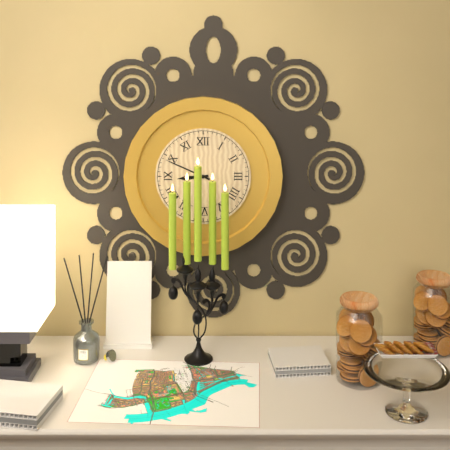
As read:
8.49
